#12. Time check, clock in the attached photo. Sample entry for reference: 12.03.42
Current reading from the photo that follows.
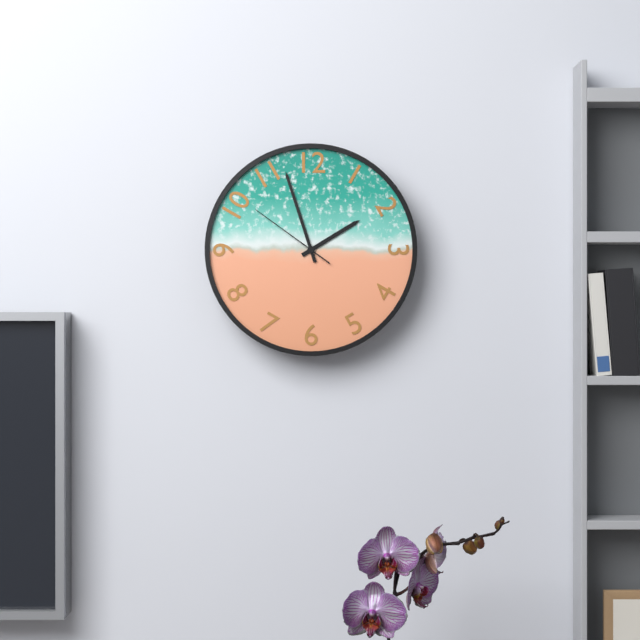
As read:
1.57.51
